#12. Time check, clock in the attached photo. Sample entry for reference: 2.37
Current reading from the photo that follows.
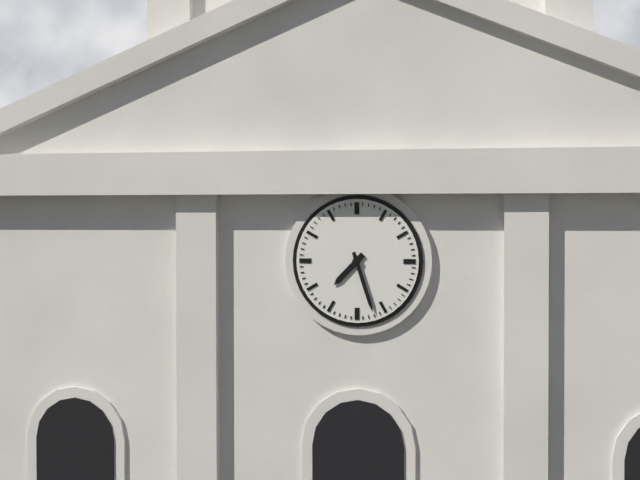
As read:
7.27
